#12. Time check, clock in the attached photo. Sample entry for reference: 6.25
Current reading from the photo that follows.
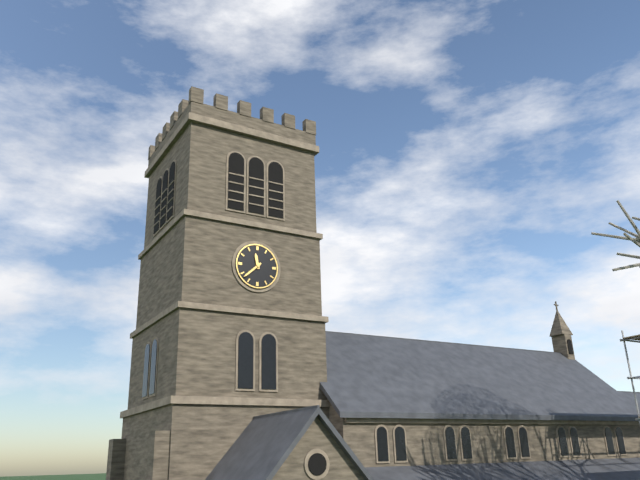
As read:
11.38
